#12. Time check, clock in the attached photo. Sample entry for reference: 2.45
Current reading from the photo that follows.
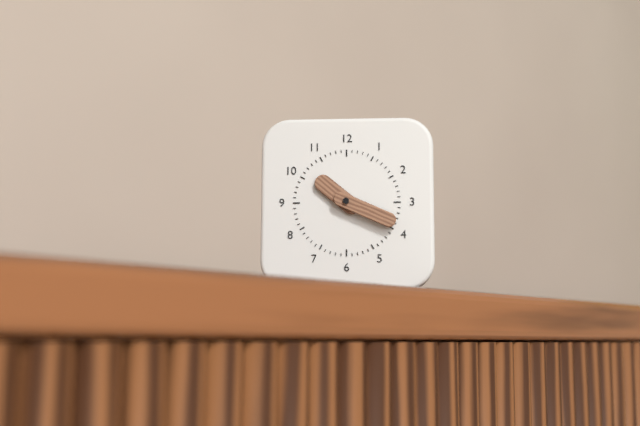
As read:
10.19
